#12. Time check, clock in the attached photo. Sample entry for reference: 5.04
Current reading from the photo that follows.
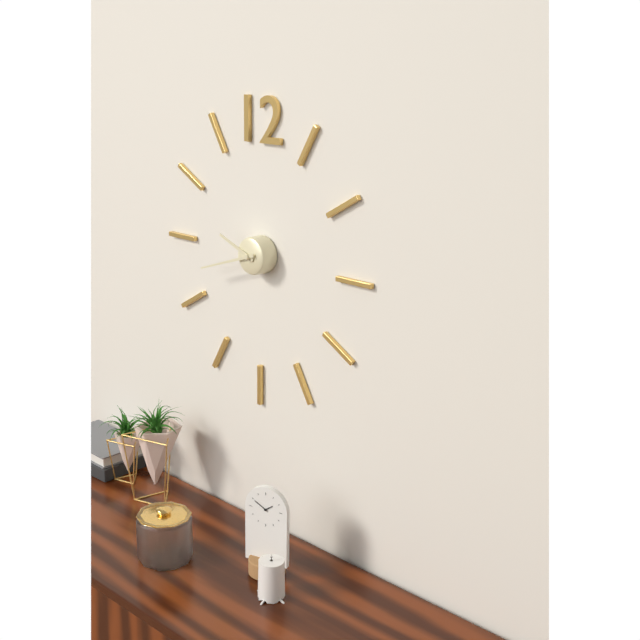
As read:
9.42
